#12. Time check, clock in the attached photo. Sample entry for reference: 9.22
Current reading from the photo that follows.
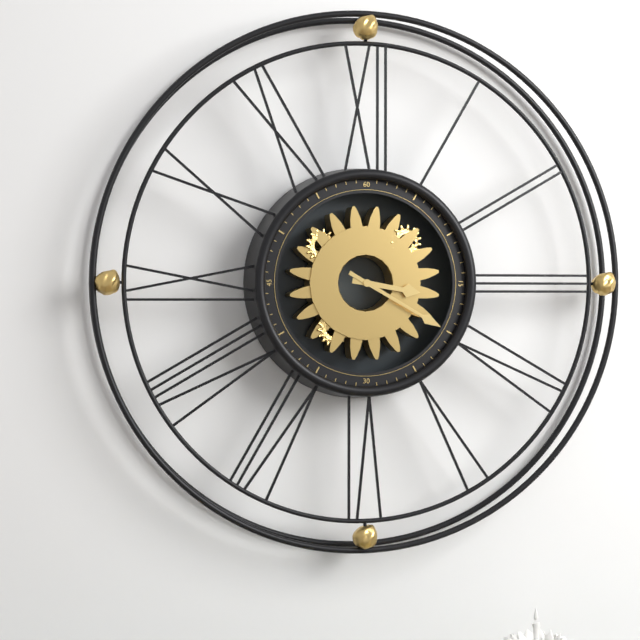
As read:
3.20
